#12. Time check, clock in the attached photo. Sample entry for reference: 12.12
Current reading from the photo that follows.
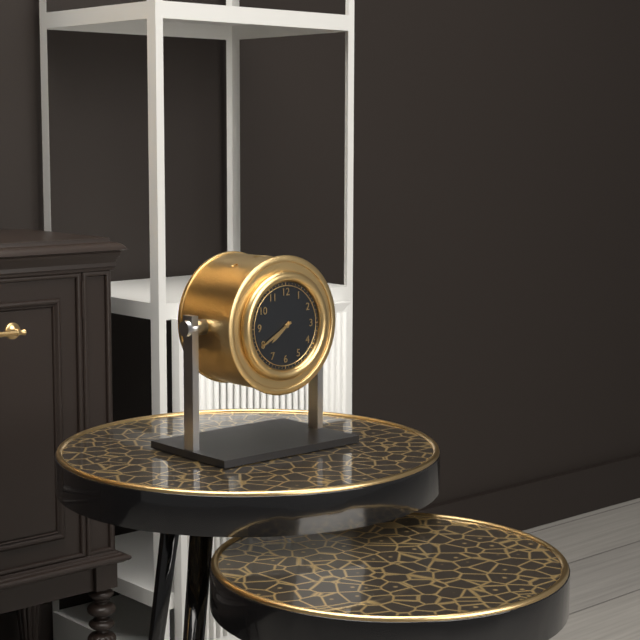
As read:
7.40
